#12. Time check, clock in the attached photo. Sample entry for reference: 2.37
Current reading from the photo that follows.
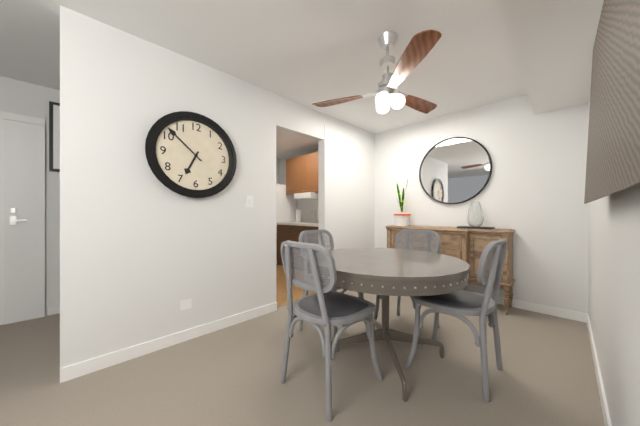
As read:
6.52
